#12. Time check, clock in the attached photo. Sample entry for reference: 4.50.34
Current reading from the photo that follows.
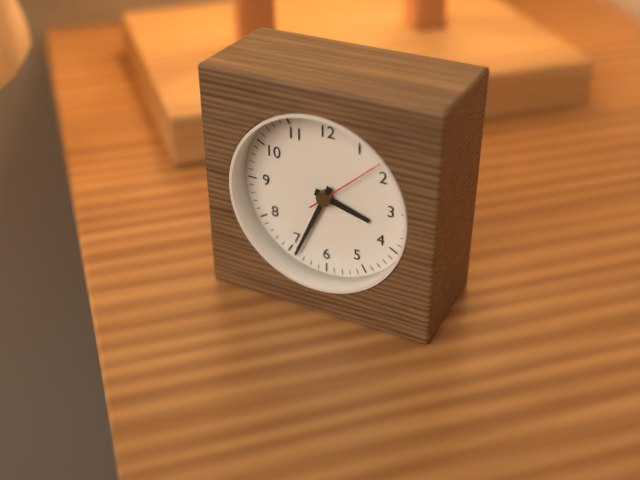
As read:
3.34.08
